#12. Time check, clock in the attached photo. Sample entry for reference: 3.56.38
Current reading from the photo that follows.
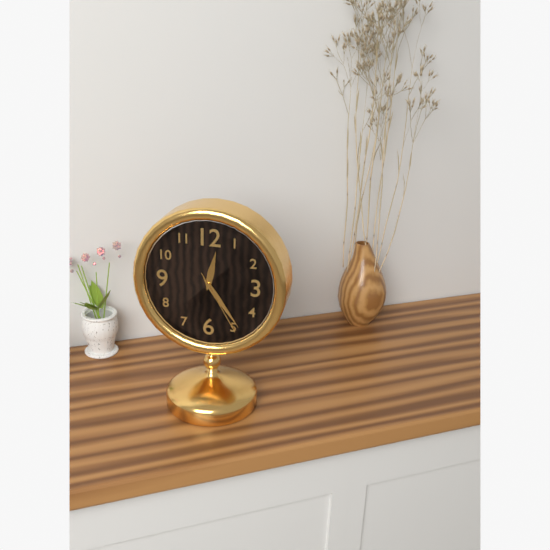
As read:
12.24.25
